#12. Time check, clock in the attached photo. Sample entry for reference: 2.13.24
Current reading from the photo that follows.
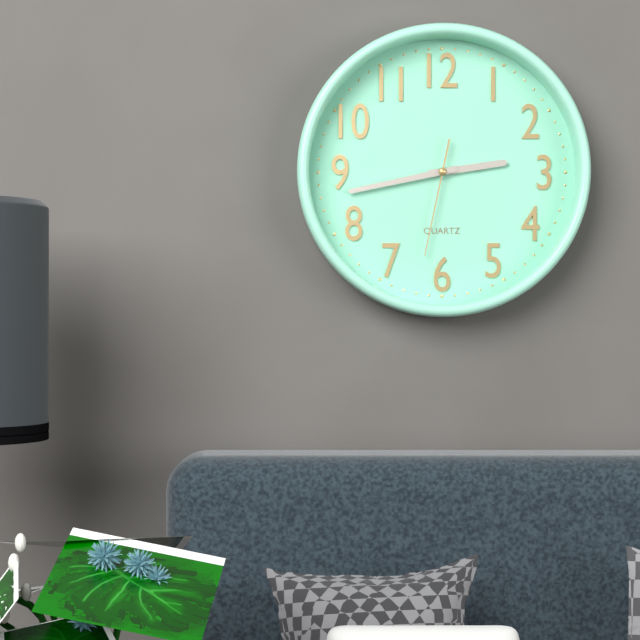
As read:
2.43.32
